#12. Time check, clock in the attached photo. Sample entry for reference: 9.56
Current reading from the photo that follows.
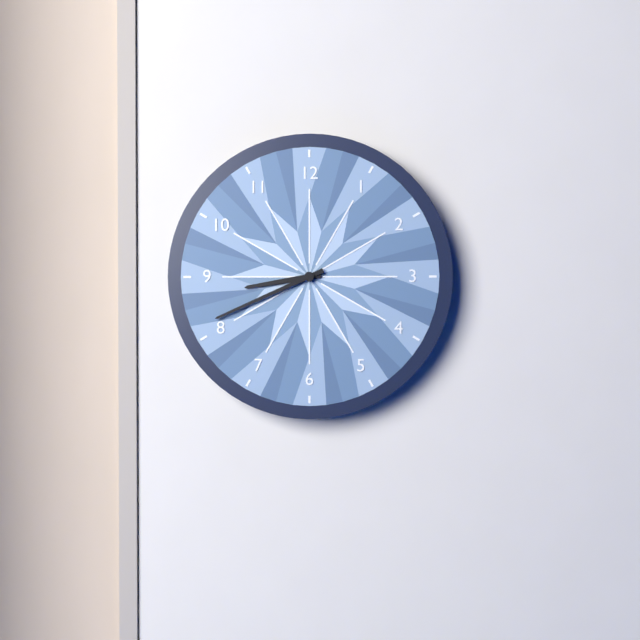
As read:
8.41
